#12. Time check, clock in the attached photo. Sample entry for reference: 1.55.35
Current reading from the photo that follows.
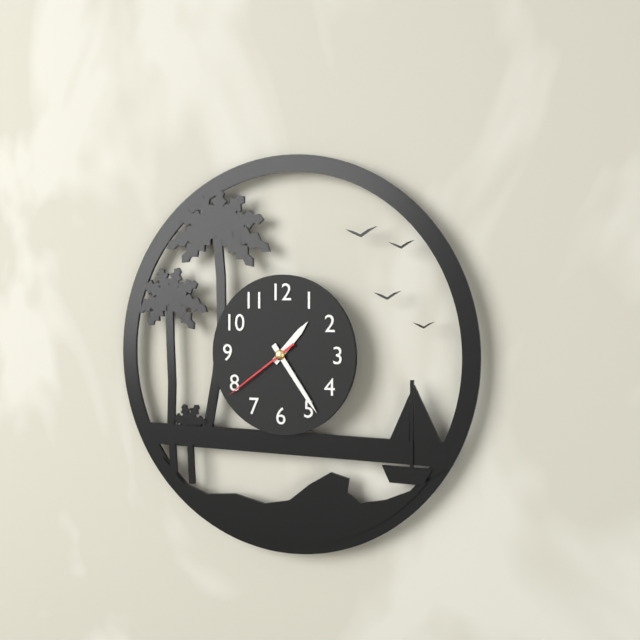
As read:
1.24.39
